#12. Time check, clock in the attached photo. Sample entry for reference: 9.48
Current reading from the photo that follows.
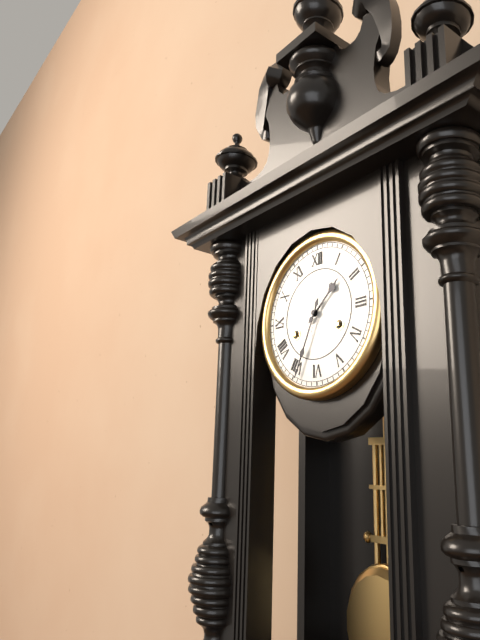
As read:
1.34
